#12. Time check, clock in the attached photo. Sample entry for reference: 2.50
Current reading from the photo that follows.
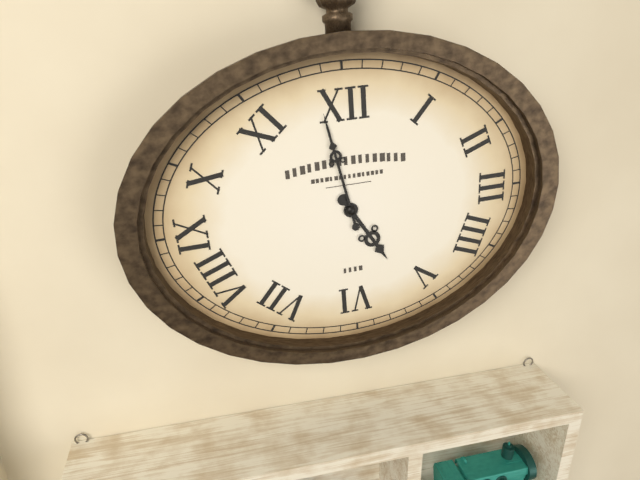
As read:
4.58
